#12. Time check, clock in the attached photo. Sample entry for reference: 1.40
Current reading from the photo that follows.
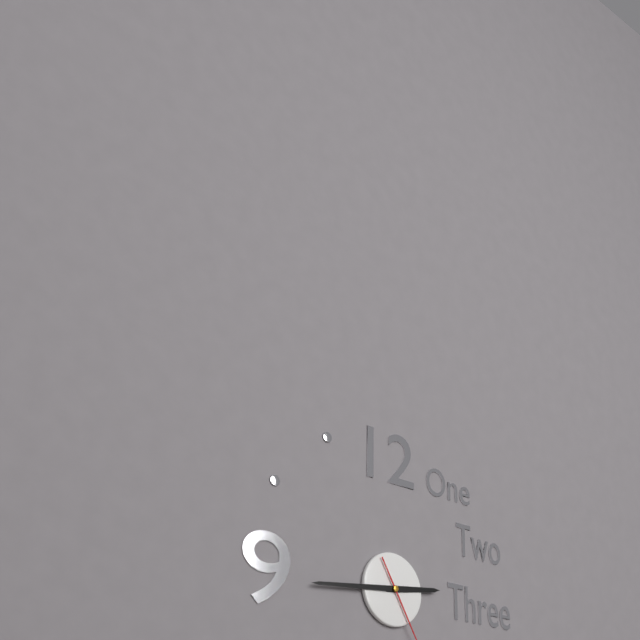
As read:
2.44
